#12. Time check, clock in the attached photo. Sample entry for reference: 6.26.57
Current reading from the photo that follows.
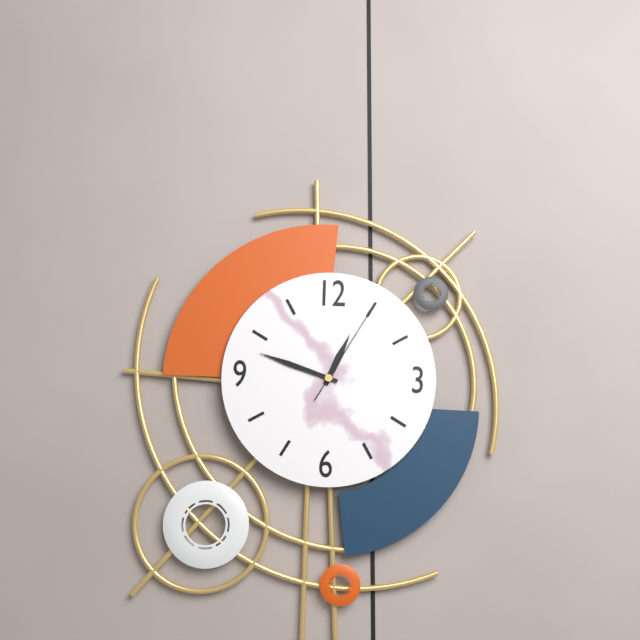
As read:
12.48.05
